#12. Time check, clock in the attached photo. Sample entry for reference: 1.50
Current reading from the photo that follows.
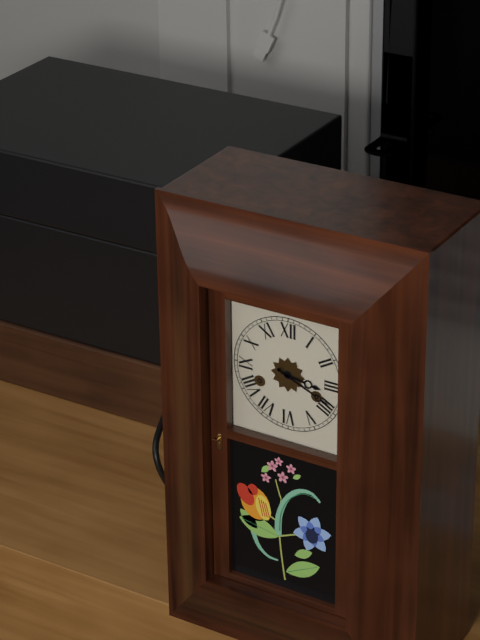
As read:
3.19
